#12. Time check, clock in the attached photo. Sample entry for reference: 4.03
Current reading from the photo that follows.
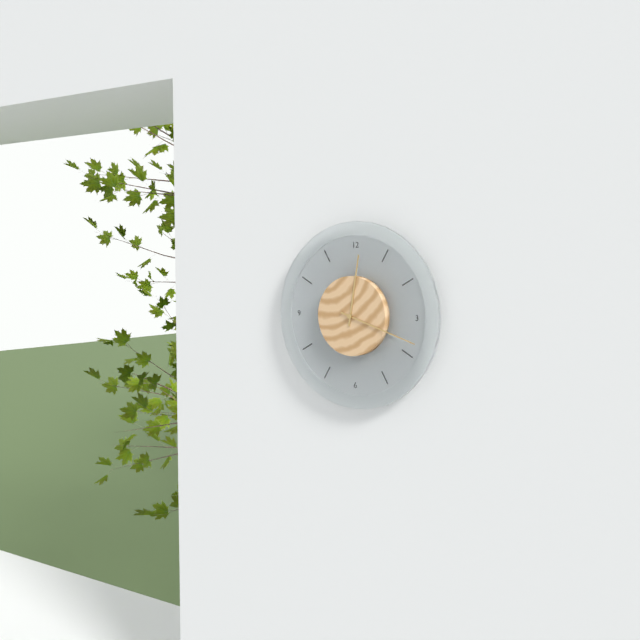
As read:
12.18
